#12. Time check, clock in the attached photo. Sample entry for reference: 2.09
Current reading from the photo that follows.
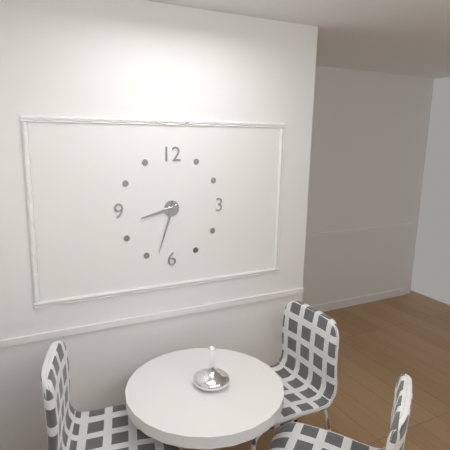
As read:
8.33
